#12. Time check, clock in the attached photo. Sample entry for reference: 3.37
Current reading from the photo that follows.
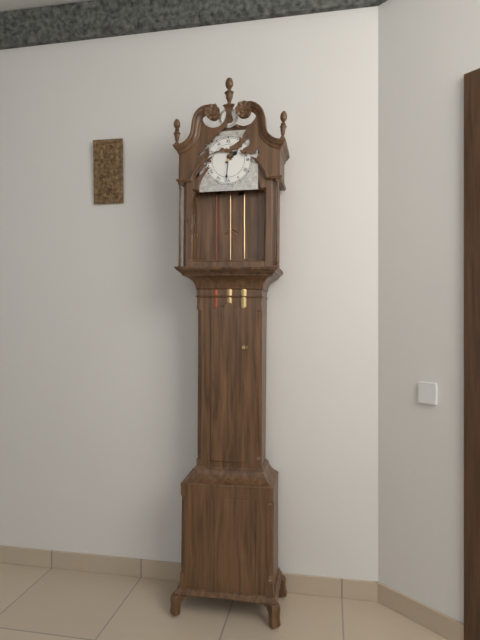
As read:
1.31
